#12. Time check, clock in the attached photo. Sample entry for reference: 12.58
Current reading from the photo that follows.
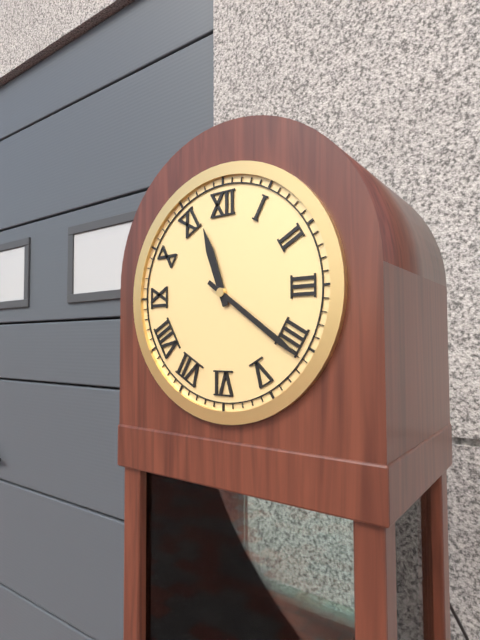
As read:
11.21
